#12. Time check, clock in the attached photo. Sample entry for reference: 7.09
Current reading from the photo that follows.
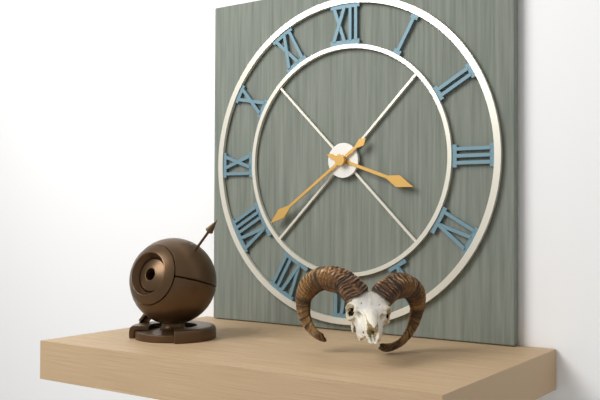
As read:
3.39
